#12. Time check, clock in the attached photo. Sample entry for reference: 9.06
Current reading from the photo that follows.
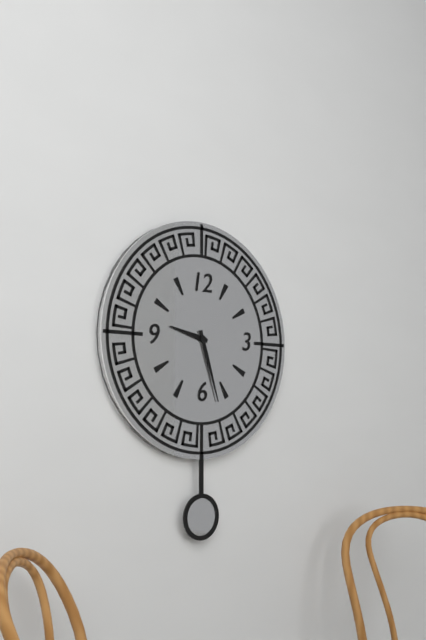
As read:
9.27
